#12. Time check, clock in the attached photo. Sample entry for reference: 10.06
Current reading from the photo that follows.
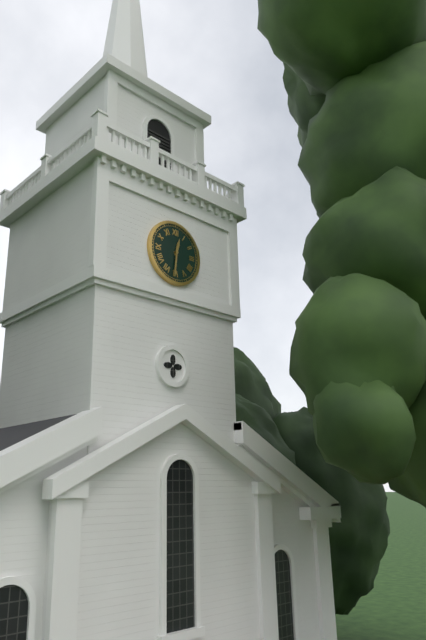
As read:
12.31
